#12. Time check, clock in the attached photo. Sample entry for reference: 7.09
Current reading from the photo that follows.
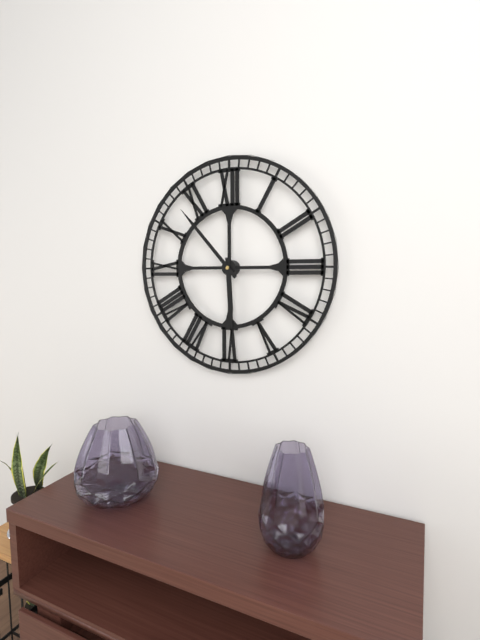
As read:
5.53
